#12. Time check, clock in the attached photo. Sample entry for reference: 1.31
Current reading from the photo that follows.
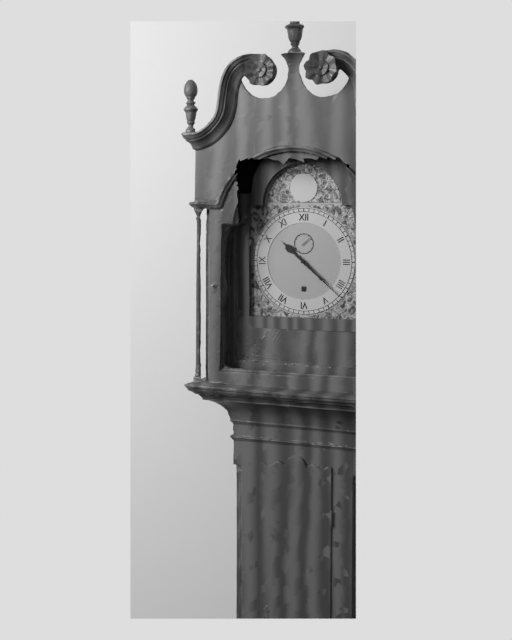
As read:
10.22
